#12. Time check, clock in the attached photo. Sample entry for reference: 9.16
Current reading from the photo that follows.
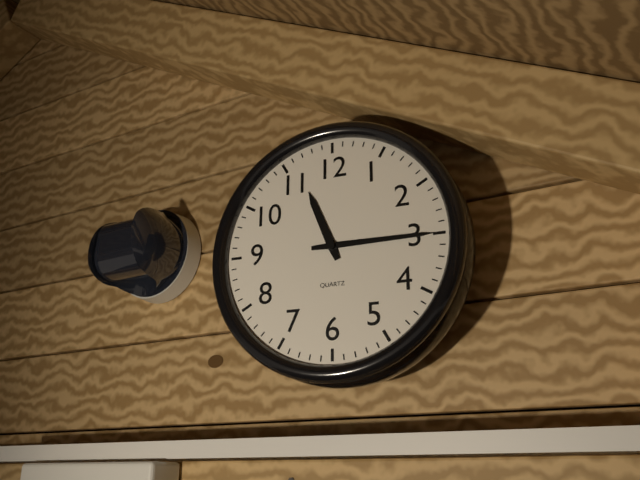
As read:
11.15
